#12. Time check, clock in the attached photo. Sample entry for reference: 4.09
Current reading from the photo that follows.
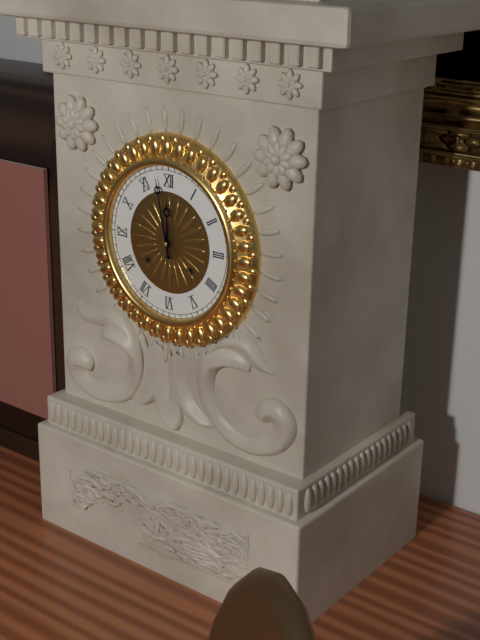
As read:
11.58
